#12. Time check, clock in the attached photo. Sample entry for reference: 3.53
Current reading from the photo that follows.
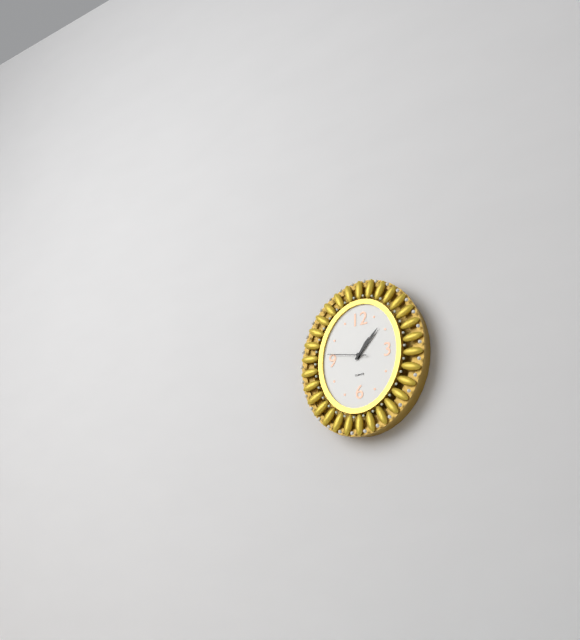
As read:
1.07
